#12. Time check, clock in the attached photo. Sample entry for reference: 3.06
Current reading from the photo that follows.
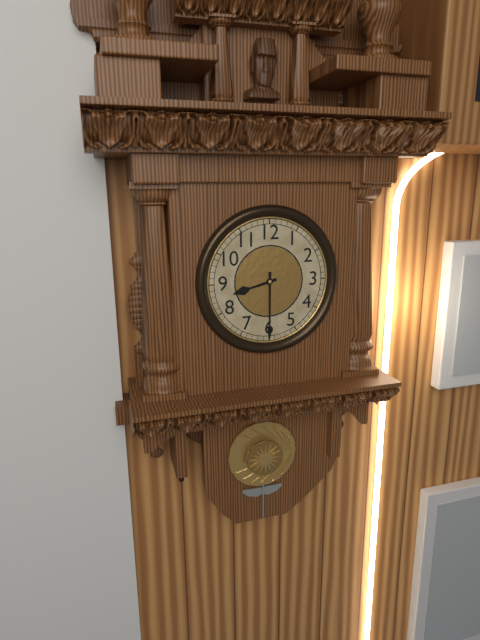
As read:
8.30
